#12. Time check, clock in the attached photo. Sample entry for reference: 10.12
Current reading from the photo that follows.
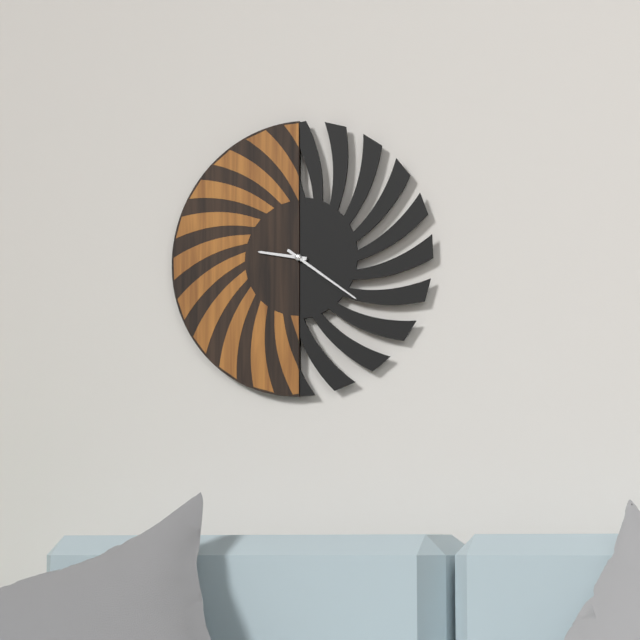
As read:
9.21
